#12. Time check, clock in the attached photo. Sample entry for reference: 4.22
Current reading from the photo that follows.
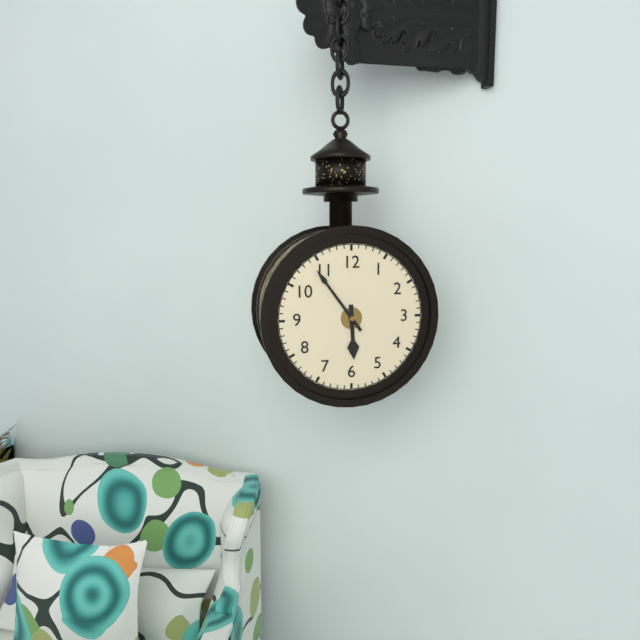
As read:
5.54
